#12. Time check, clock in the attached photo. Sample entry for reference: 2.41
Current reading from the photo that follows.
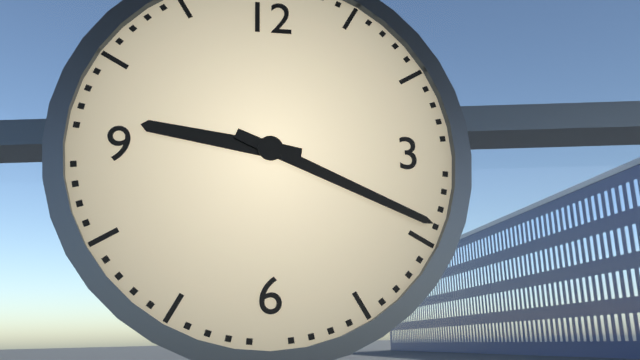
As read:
9.19
